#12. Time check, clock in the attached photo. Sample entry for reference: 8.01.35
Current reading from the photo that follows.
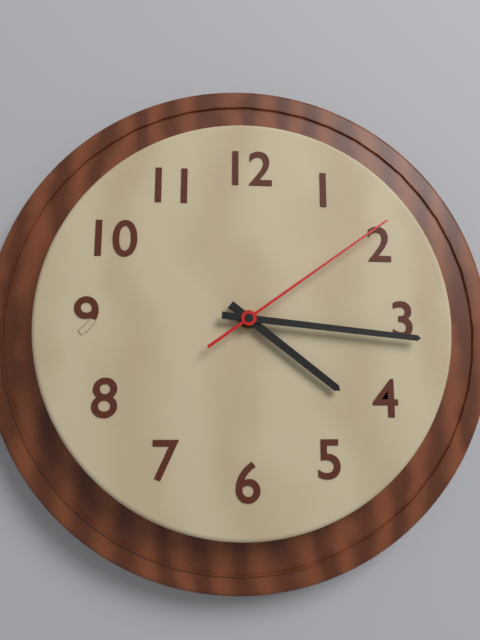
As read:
4.16.09
